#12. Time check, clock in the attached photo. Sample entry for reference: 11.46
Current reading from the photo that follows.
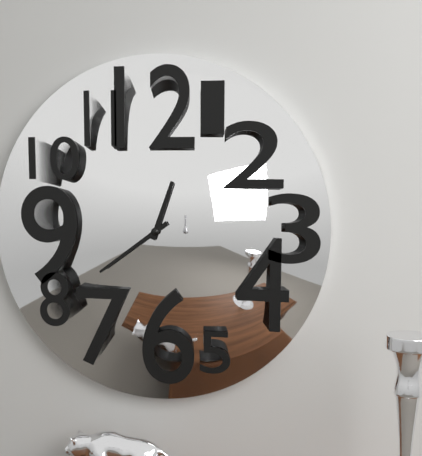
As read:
12.39
